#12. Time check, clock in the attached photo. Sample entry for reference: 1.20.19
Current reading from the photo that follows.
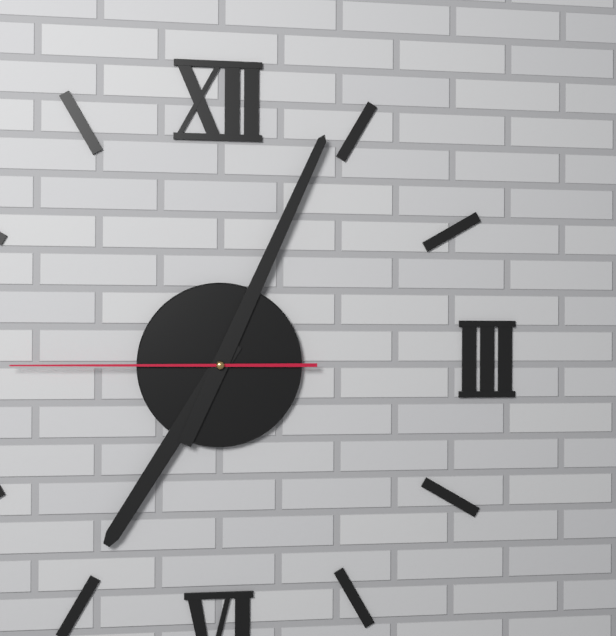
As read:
7.04.45
